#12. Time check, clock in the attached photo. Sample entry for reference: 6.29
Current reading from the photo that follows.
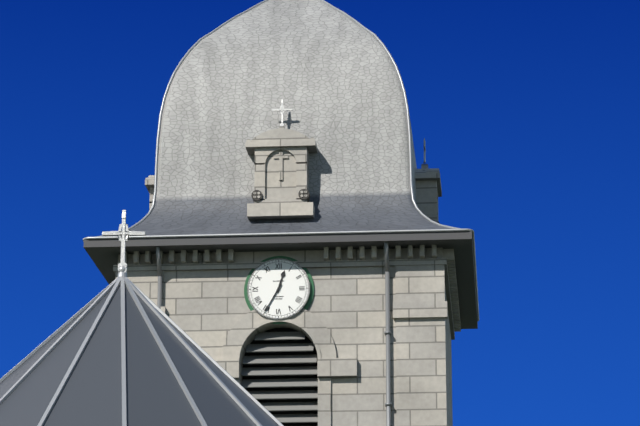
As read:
12.35
